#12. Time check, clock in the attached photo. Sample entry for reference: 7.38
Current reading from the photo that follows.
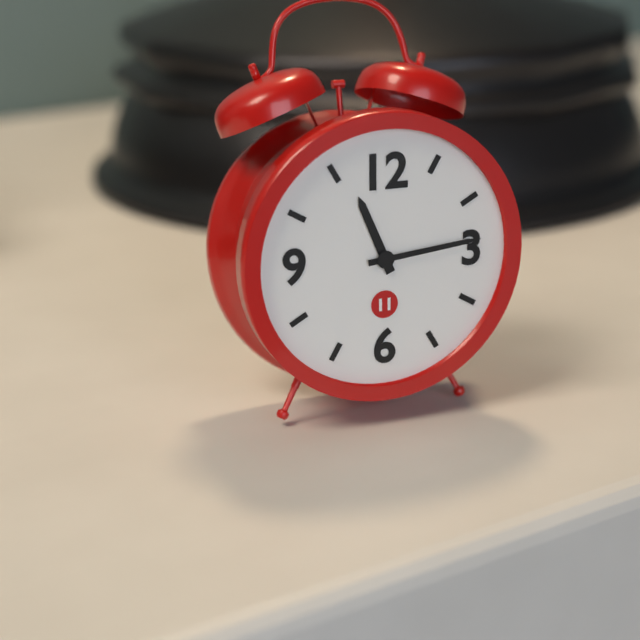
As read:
11.14
